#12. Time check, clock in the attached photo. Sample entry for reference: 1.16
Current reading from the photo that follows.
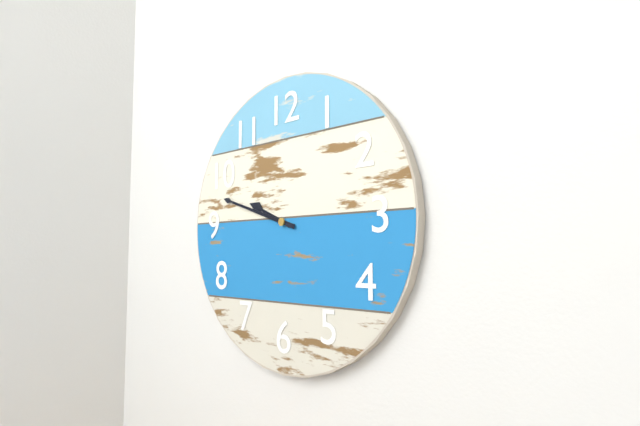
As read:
9.48
